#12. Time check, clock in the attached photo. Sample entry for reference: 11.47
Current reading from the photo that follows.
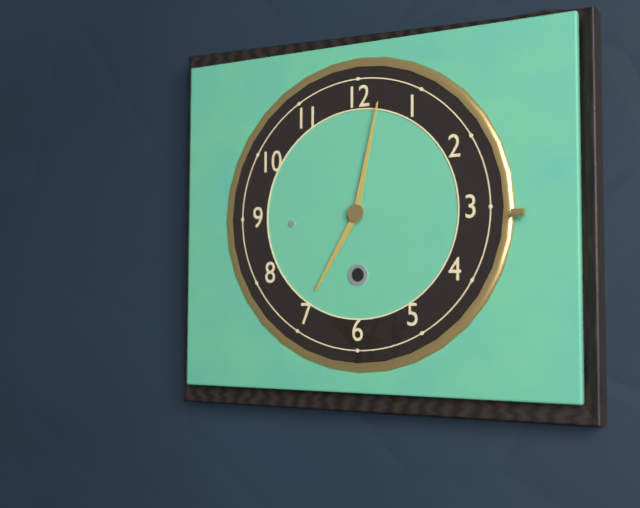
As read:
7.02
